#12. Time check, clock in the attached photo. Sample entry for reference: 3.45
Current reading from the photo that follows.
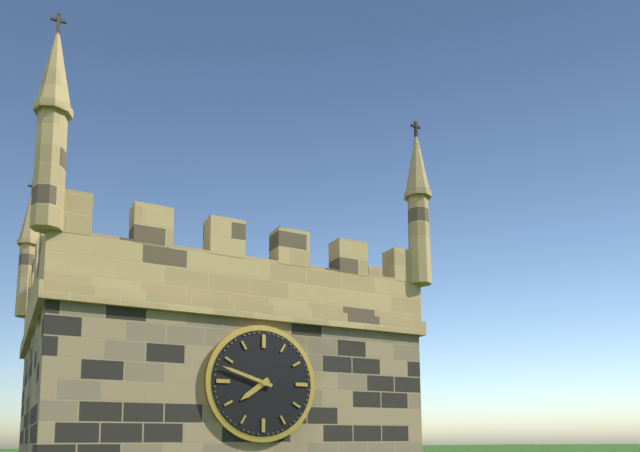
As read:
7.48
